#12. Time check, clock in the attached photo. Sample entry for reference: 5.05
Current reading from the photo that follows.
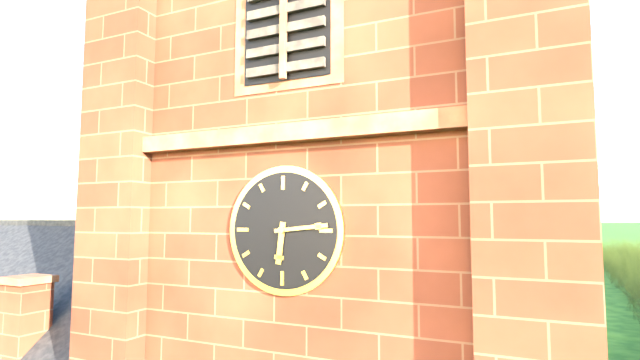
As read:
6.14
